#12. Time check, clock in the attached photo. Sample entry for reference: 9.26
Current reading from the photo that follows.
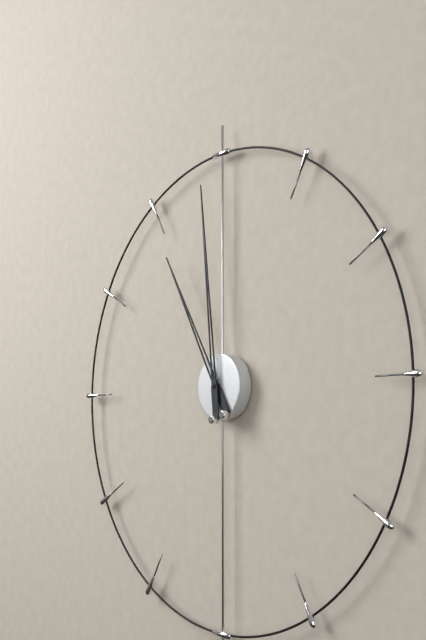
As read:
10.59
